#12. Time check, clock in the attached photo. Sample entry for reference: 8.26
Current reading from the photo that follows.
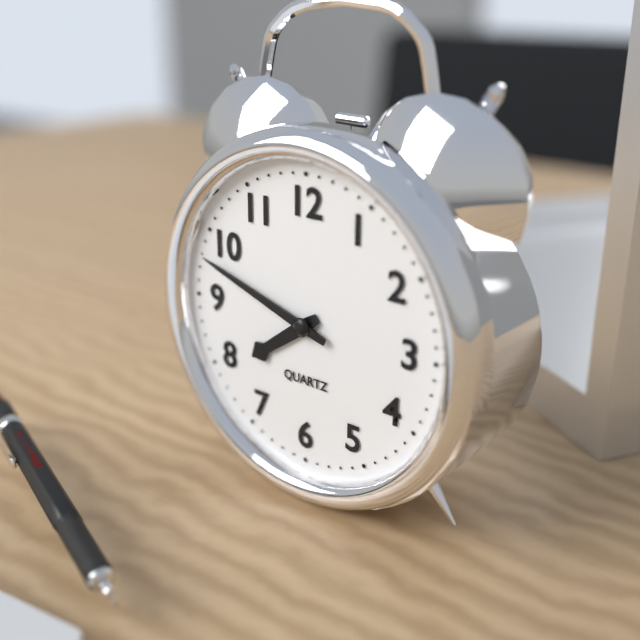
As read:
7.48
